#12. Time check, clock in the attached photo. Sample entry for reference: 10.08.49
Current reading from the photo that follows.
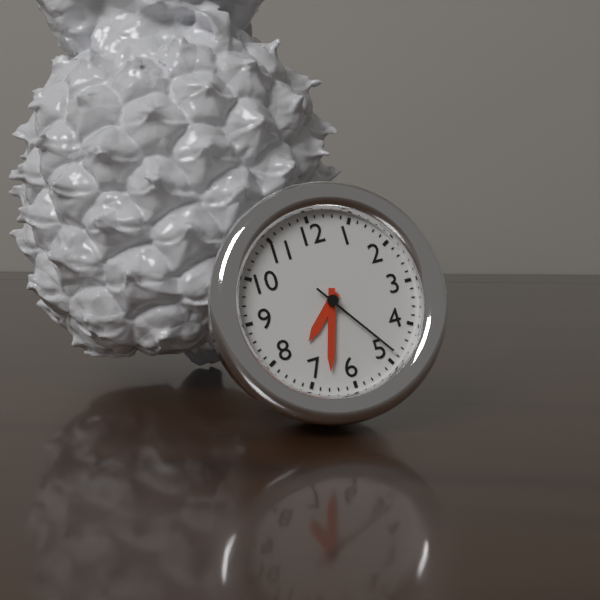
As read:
7.33.24
